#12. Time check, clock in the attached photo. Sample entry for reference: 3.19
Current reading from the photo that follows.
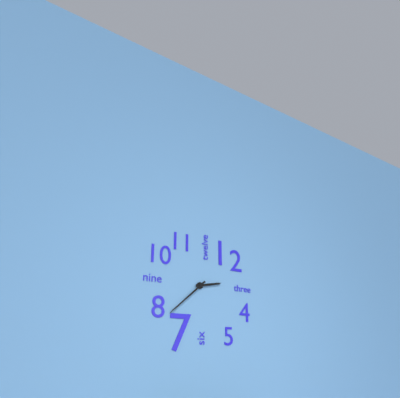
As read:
2.38
